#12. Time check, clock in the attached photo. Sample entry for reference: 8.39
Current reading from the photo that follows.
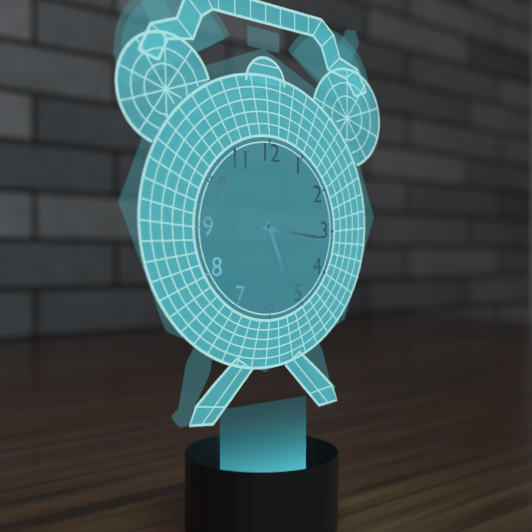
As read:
5.16
